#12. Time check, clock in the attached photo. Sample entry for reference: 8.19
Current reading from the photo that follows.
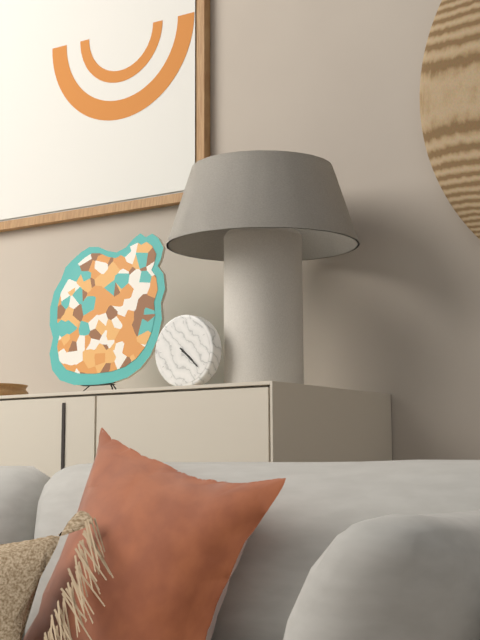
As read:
4.22
